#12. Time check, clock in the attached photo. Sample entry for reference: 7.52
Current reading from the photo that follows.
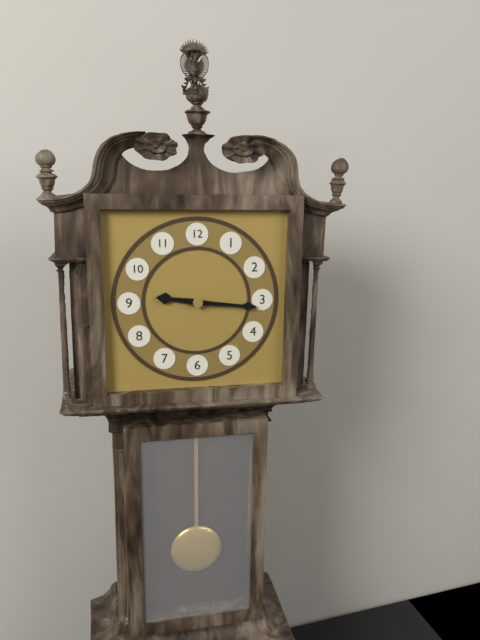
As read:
9.16
